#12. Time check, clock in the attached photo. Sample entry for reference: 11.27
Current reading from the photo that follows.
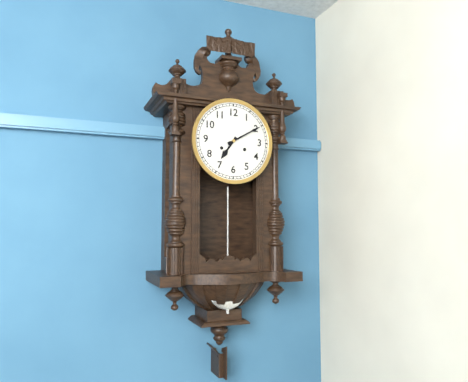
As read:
7.10
